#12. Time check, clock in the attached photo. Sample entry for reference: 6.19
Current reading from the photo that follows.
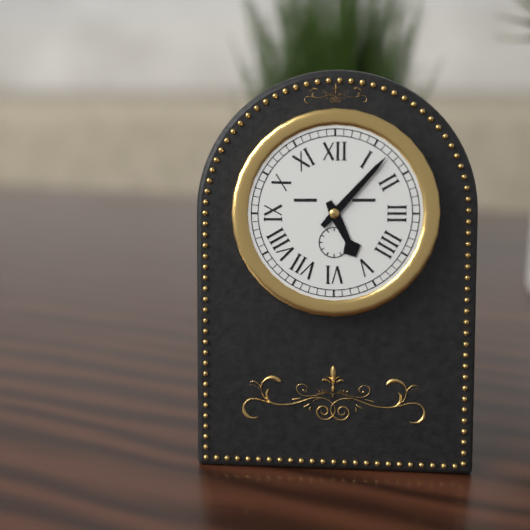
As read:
5.07
